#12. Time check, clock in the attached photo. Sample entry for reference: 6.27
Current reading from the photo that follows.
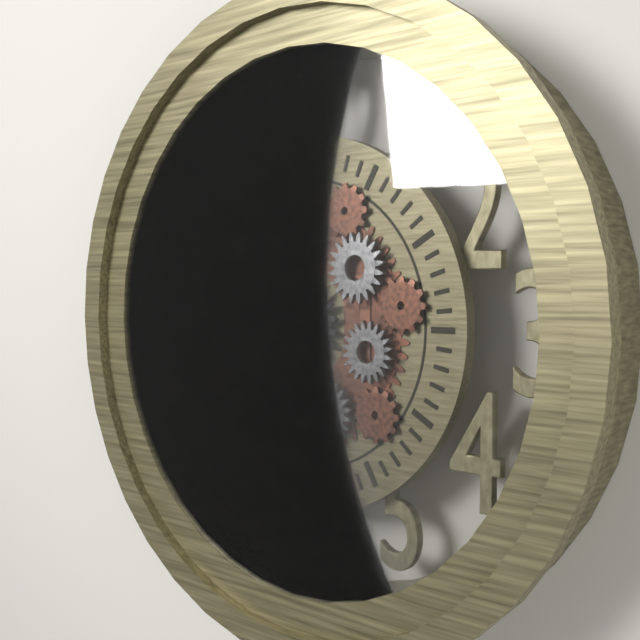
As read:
10.00
